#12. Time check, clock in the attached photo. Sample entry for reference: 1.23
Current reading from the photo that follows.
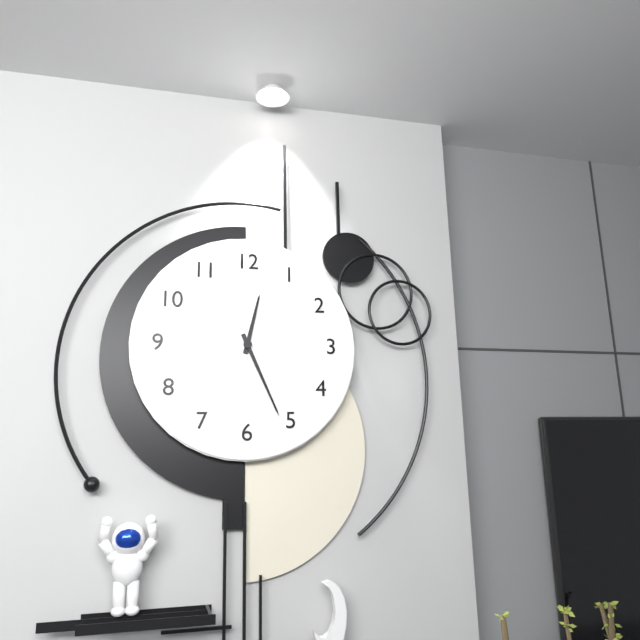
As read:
12.26
